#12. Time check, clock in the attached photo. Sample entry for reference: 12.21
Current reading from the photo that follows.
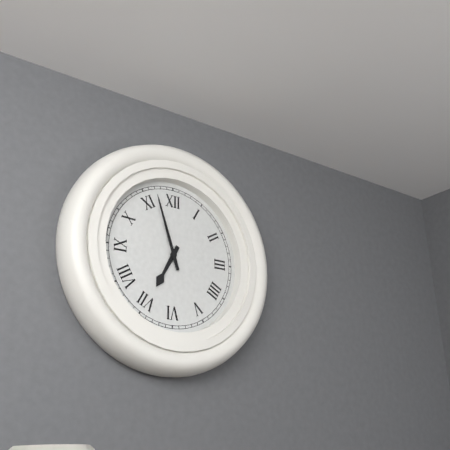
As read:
6.57
